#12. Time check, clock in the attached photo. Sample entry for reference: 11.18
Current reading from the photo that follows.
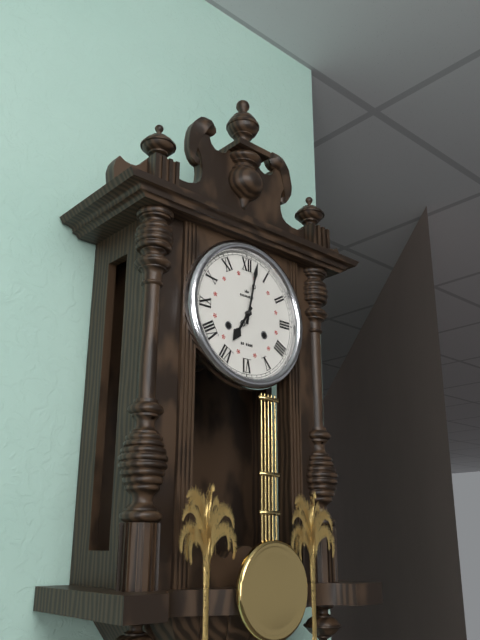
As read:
7.02
